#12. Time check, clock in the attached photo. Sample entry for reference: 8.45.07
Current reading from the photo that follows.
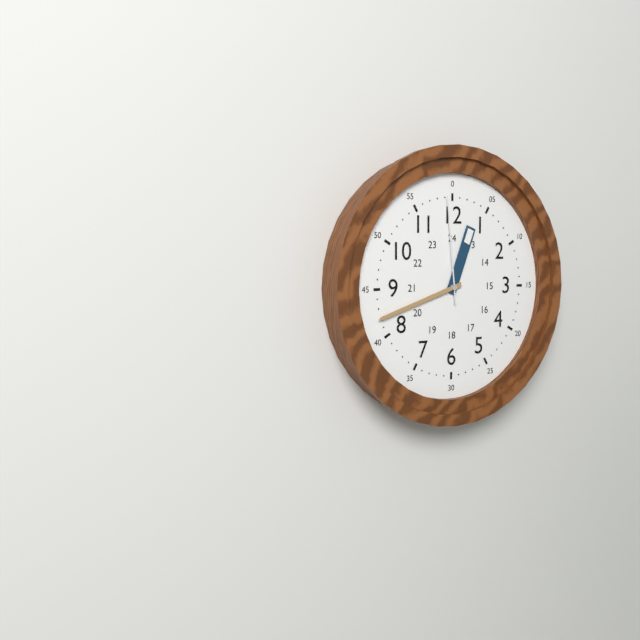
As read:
12.42.59
